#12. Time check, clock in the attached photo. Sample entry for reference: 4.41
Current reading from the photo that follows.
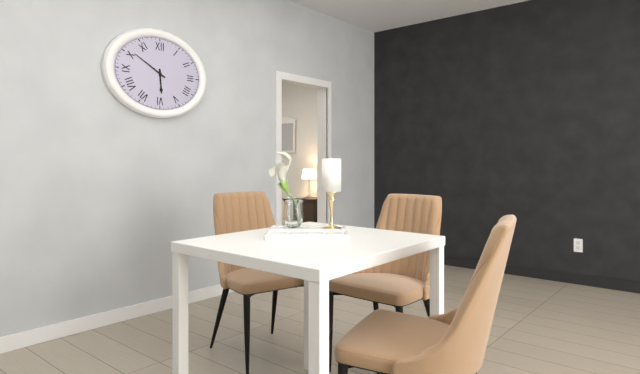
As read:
5.50
